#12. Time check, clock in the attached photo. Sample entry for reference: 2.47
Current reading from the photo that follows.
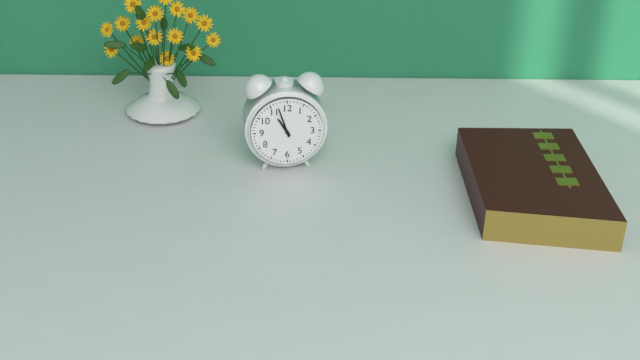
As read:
10.57
